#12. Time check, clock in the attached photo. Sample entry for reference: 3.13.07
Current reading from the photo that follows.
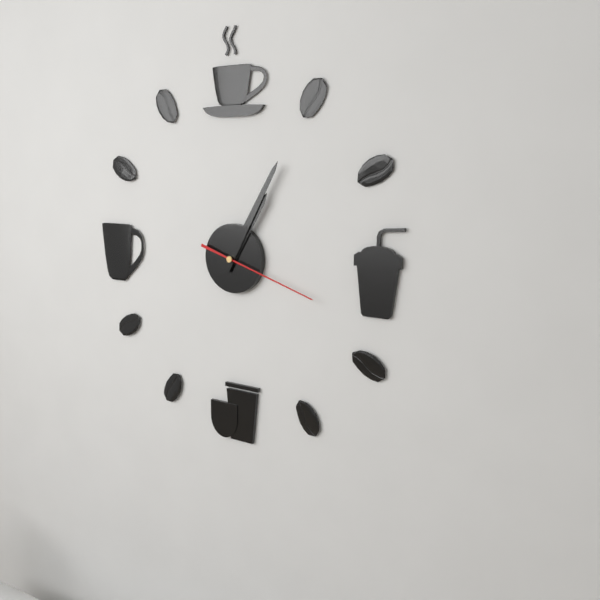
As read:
1.05.18
